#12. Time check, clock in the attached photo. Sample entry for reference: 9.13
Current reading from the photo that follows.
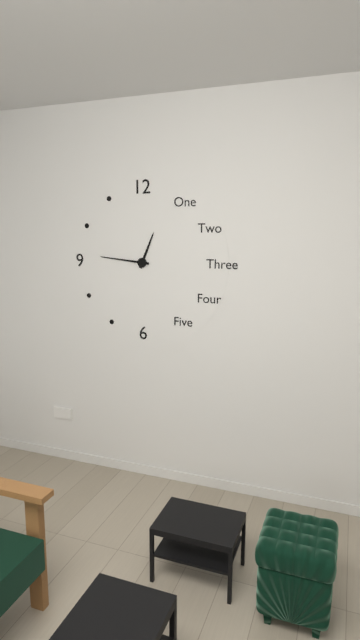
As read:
12.46
